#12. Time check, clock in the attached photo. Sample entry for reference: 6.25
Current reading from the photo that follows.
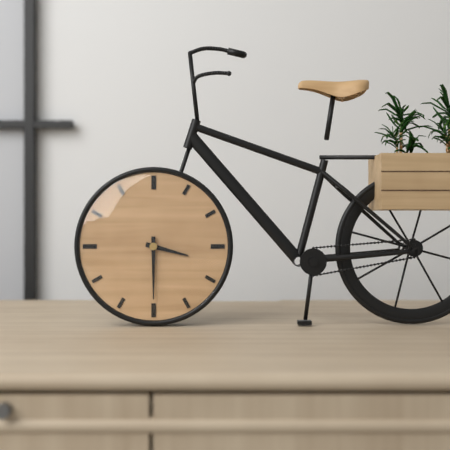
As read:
3.30
